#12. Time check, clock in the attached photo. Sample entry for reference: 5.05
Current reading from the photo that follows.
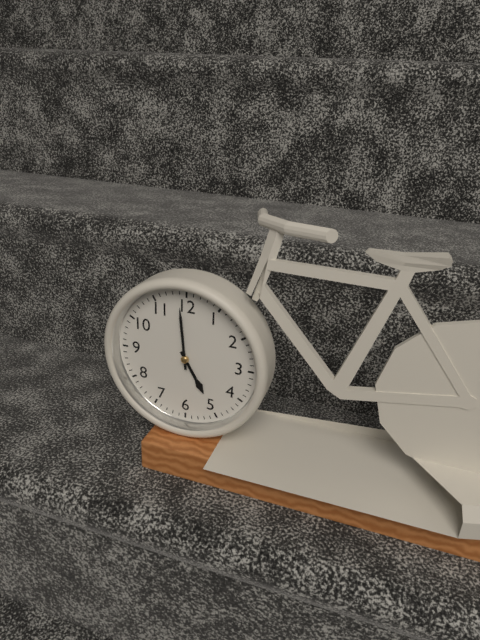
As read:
4.59
